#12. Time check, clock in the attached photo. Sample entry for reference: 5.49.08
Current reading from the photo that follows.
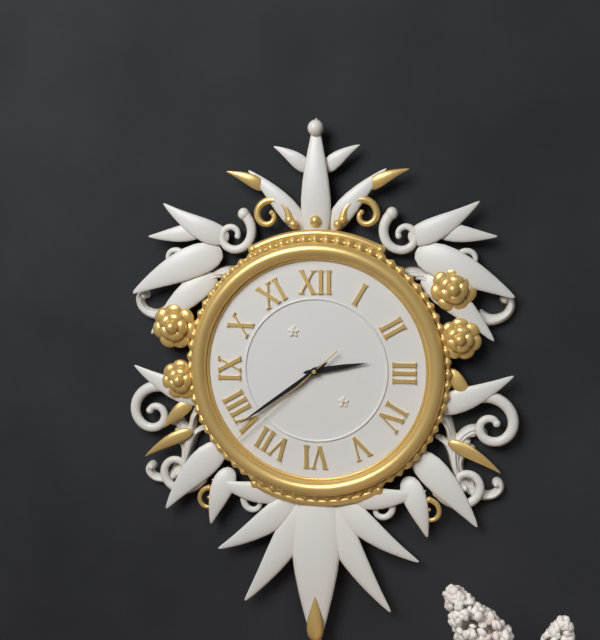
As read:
2.39.38
